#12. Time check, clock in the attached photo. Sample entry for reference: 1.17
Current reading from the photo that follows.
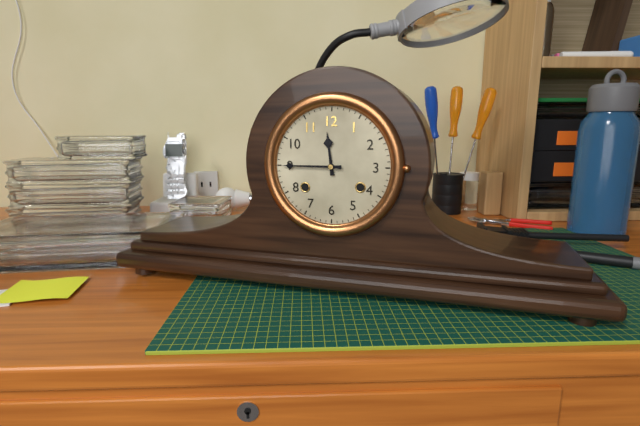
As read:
11.45
